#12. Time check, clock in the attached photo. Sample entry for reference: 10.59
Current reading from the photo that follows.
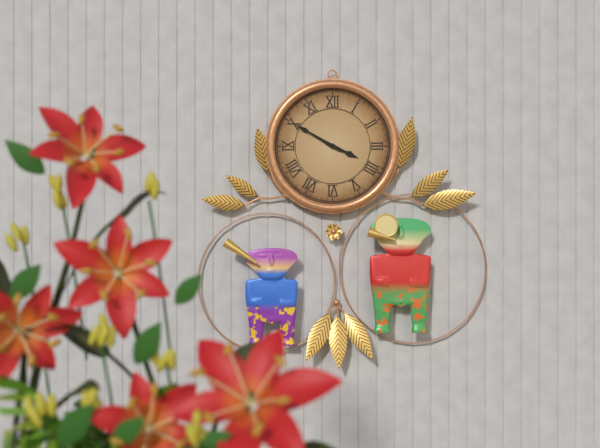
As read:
3.50
